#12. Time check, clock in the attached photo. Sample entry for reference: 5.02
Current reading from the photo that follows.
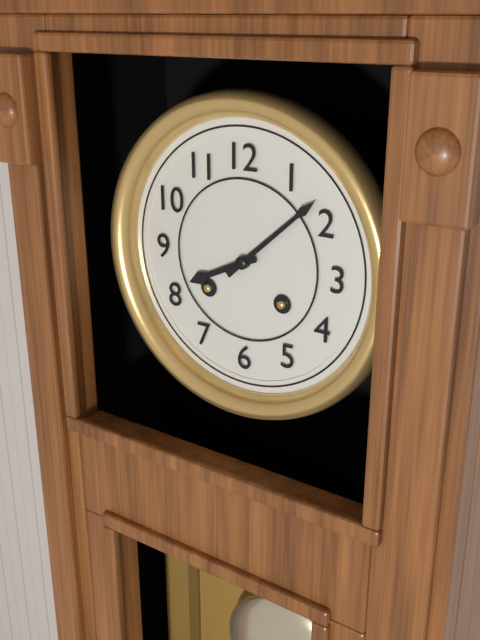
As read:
8.08
